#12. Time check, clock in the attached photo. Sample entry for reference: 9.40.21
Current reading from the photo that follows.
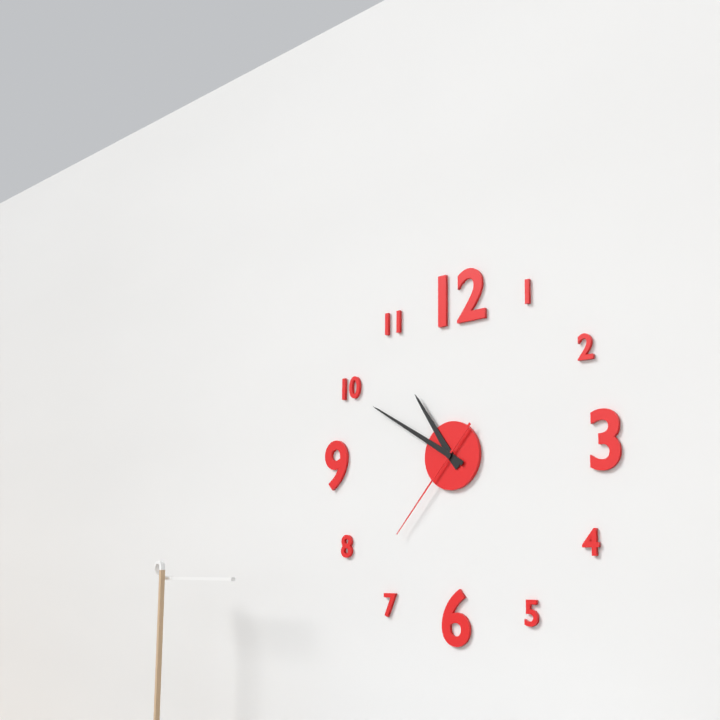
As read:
10.50.37
